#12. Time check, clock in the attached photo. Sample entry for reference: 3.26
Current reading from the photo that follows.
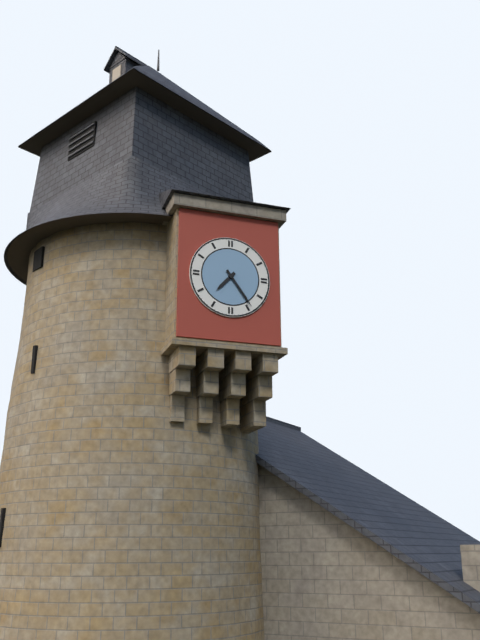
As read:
7.24
